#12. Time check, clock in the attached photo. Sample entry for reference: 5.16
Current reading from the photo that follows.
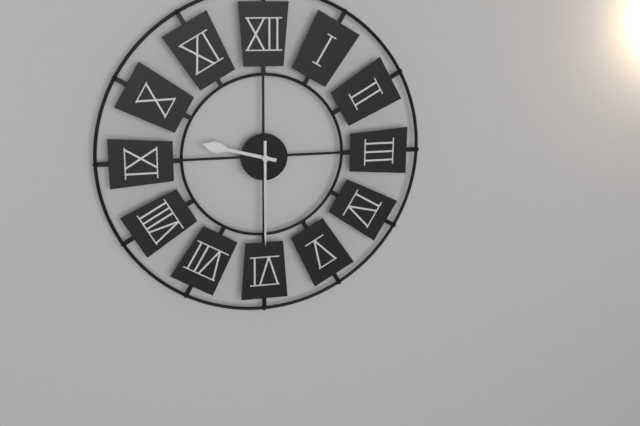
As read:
9.30
